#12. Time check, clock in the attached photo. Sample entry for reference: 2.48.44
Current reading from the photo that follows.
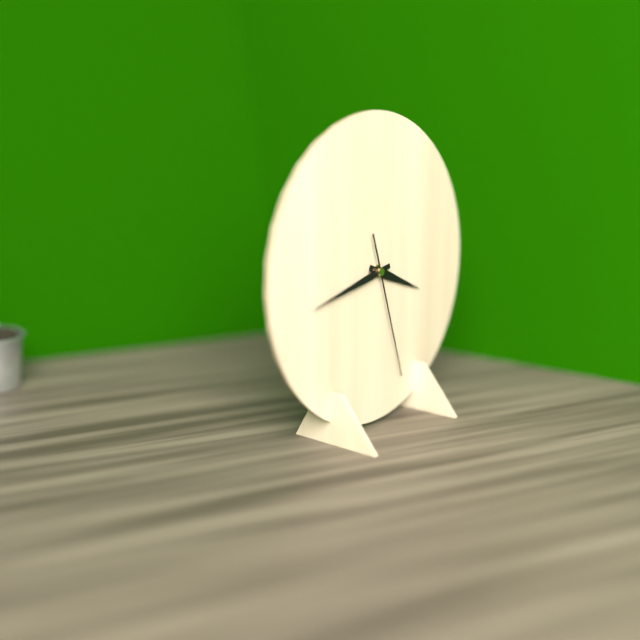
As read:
3.43.27
